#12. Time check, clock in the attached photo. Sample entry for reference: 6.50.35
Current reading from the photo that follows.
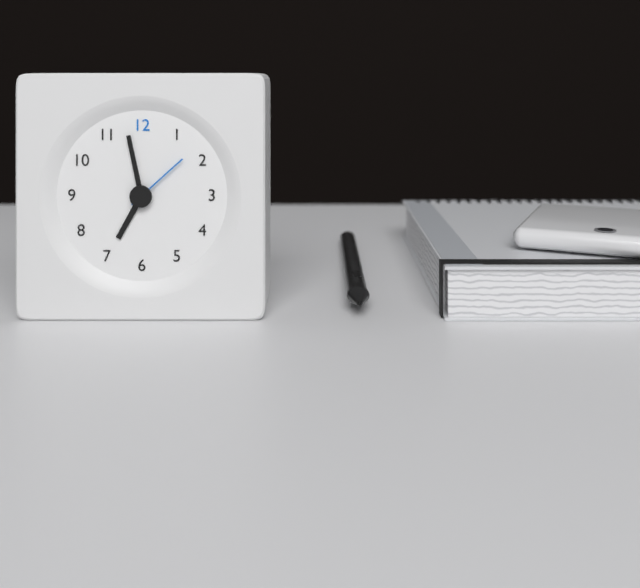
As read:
6.58.08
